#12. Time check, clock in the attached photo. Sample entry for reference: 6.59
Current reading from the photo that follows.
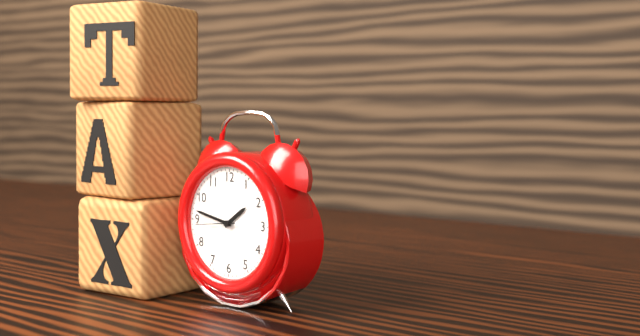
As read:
1.47
